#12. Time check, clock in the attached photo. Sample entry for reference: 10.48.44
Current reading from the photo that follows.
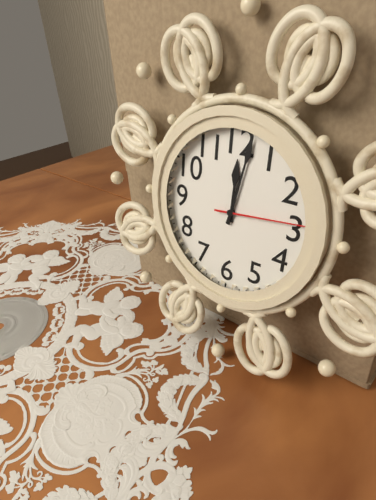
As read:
12.02.14
